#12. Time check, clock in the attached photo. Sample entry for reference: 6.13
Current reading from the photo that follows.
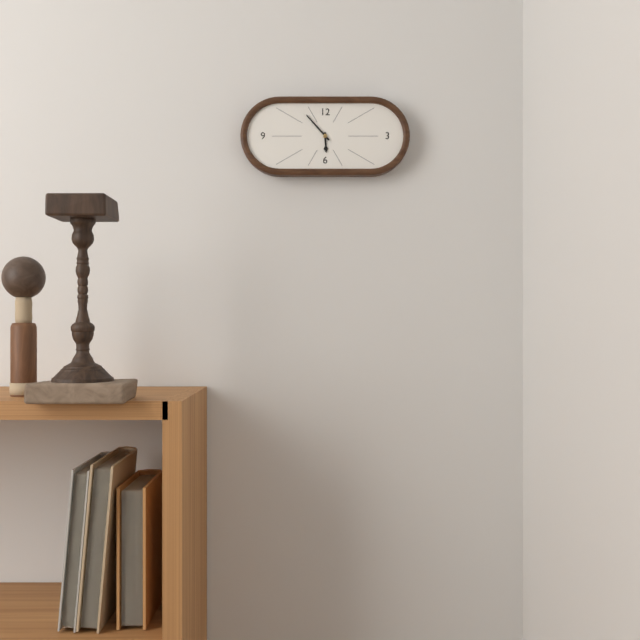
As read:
5.53
